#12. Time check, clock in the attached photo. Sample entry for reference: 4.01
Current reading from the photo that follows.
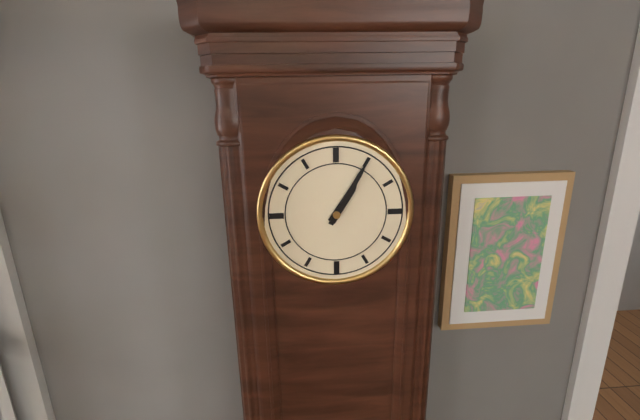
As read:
1.05
